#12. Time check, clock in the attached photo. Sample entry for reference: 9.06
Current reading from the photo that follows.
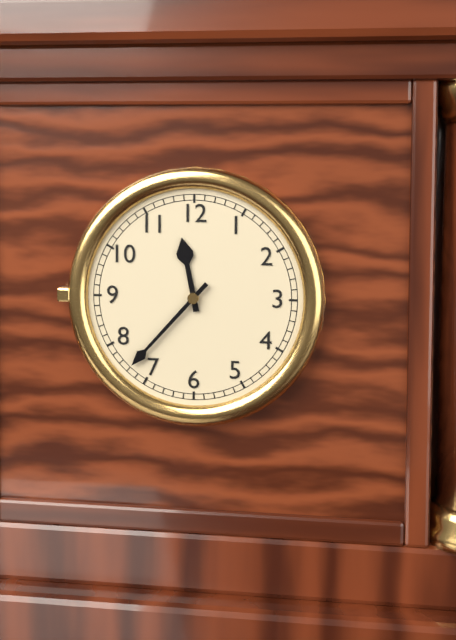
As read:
11.37
